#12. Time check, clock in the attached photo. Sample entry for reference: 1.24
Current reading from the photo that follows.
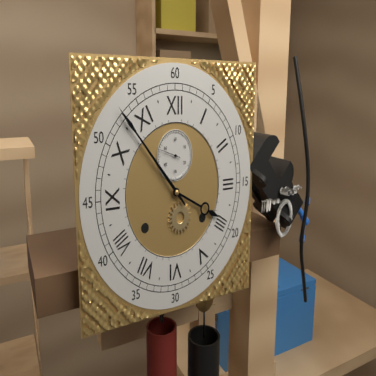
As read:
3.53
